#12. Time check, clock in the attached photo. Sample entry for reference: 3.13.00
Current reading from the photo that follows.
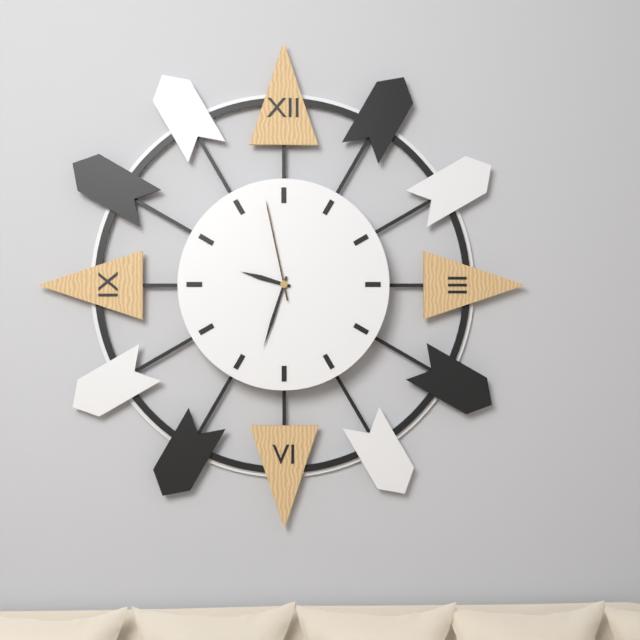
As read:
9.33.58
